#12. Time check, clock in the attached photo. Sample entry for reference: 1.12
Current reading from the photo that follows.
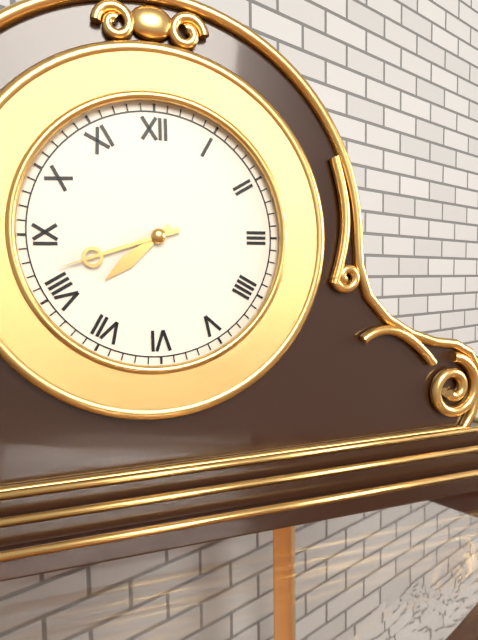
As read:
7.42
